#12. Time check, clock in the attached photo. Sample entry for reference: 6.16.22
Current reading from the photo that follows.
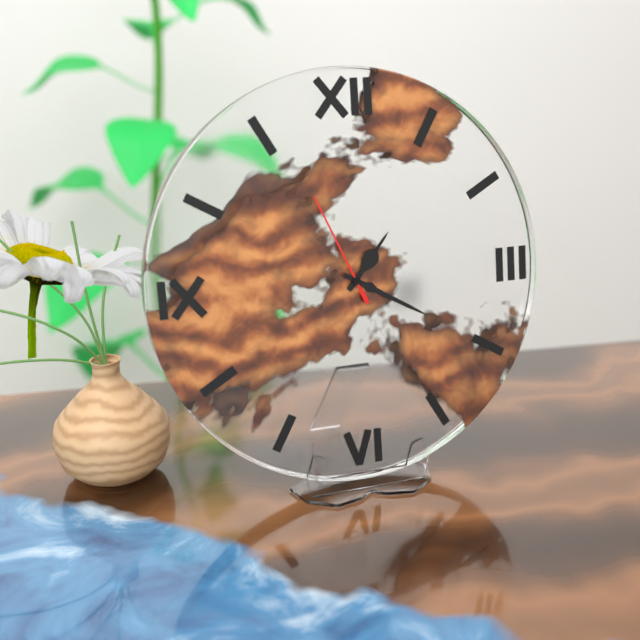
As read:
1.20.56
